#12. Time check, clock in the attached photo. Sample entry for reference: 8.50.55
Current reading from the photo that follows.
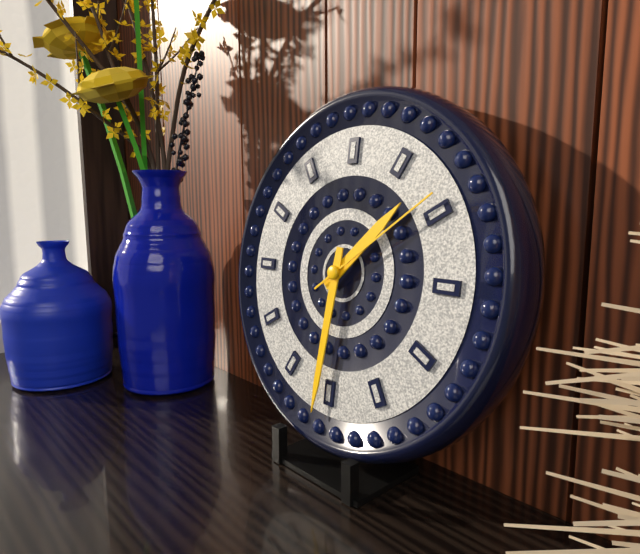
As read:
1.31.09
